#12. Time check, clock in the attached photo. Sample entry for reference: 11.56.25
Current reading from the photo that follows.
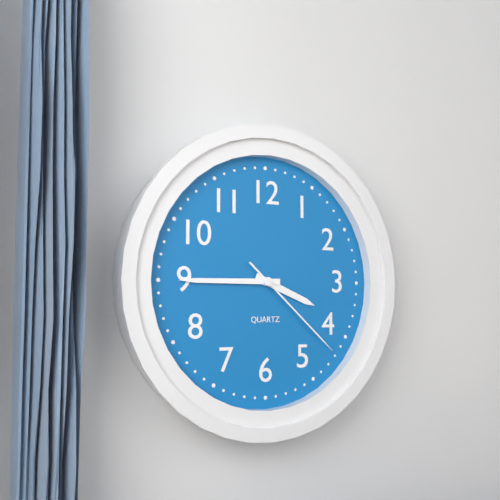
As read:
3.45.22
